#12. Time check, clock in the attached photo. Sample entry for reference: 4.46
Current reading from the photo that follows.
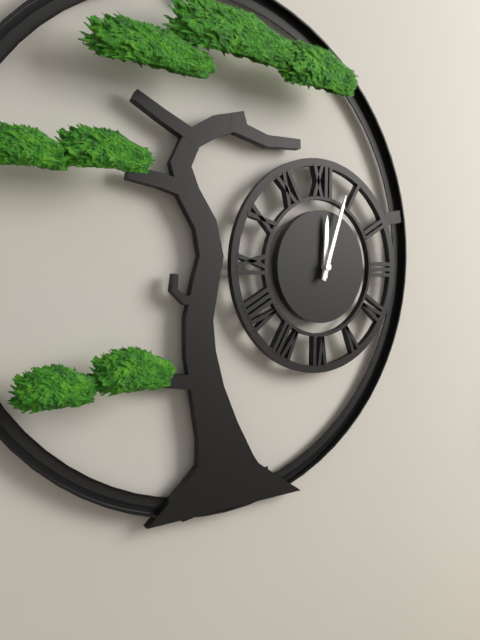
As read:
12.03
